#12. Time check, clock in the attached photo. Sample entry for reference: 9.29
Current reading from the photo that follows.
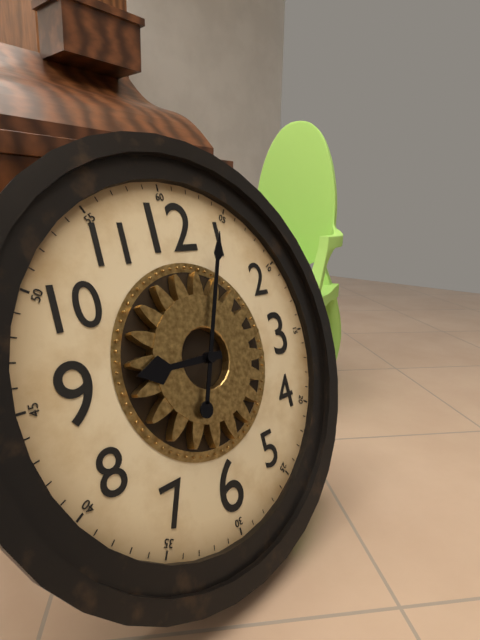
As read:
9.04
